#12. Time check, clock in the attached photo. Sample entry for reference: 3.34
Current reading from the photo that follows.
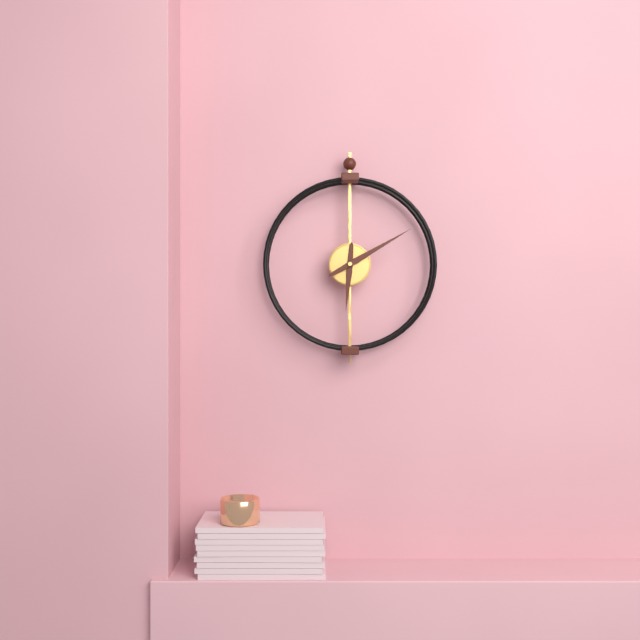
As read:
6.10
